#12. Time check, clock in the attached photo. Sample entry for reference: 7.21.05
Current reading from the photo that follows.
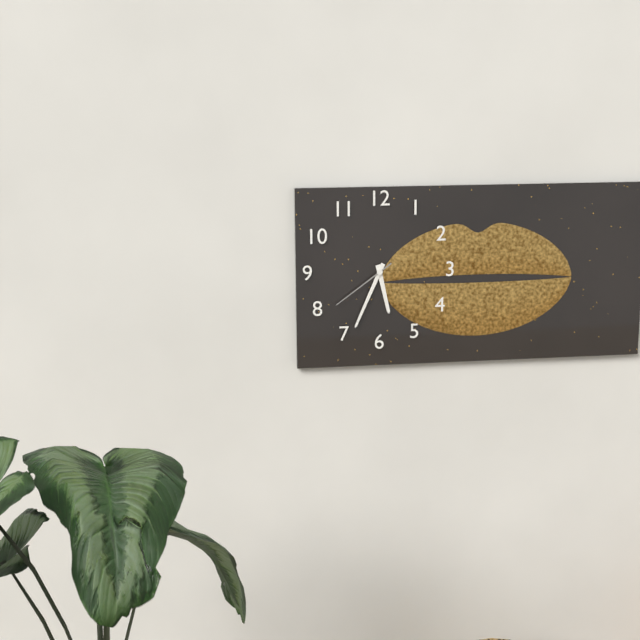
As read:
5.34.39
